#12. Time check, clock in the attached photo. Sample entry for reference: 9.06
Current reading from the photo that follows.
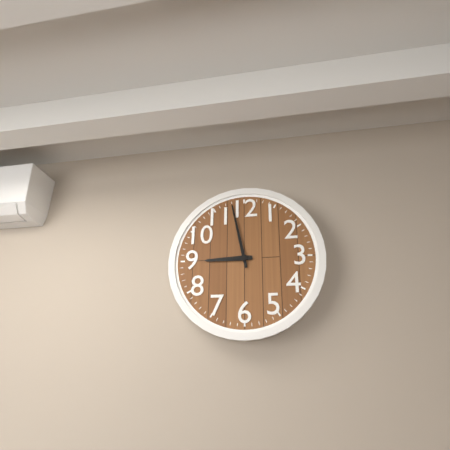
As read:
8.58
